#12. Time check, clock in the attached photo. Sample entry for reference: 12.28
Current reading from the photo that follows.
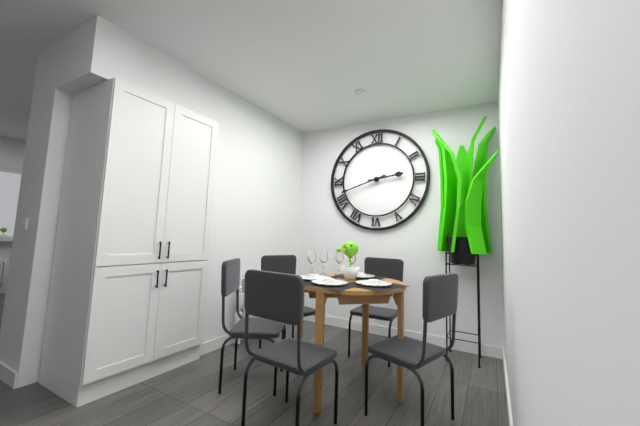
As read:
2.42
